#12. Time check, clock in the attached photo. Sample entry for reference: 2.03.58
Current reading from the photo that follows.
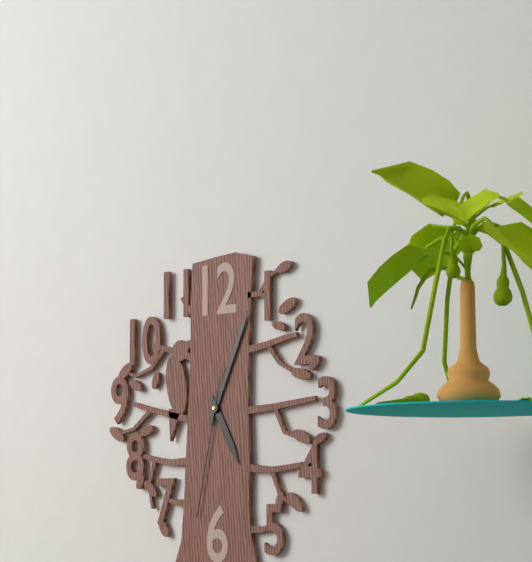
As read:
5.04.32
